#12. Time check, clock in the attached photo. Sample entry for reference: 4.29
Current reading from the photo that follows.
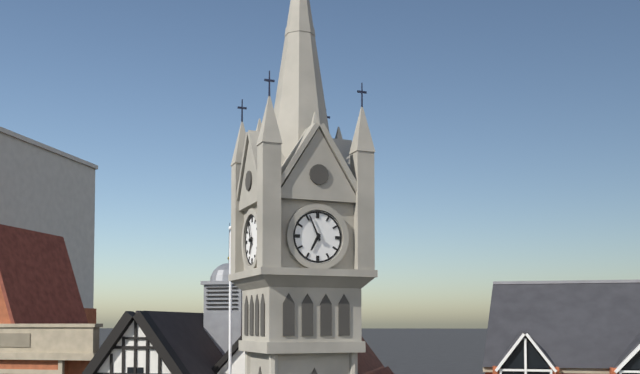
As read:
6.56
